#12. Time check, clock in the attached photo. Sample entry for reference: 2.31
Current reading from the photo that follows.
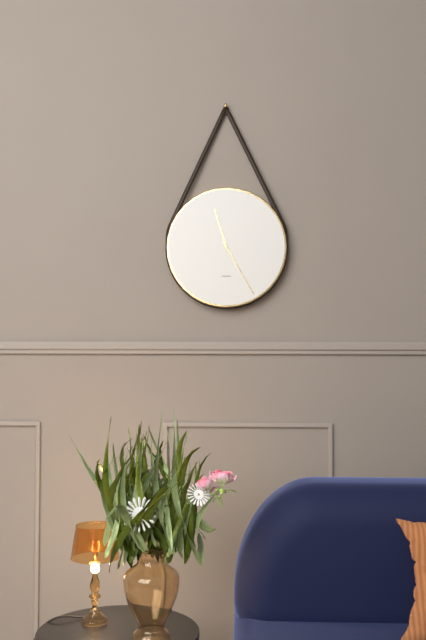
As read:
11.25
